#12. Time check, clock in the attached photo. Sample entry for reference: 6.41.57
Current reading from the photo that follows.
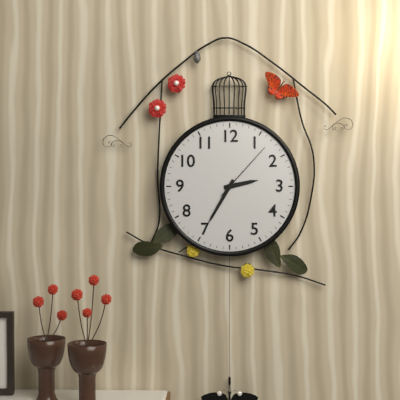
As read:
2.35.07
